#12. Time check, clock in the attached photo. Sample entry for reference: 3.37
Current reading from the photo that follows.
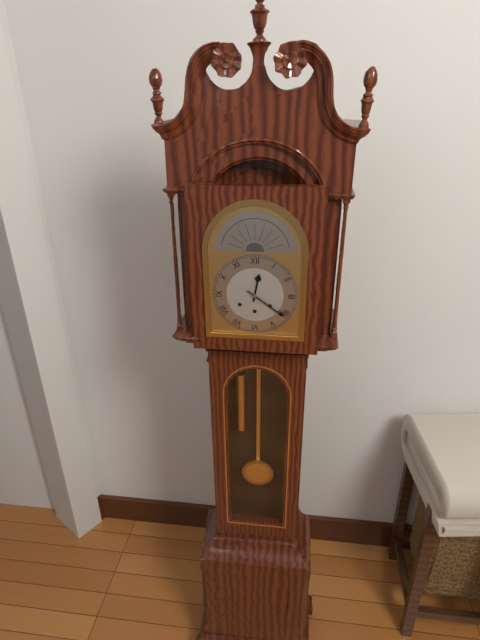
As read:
12.21
